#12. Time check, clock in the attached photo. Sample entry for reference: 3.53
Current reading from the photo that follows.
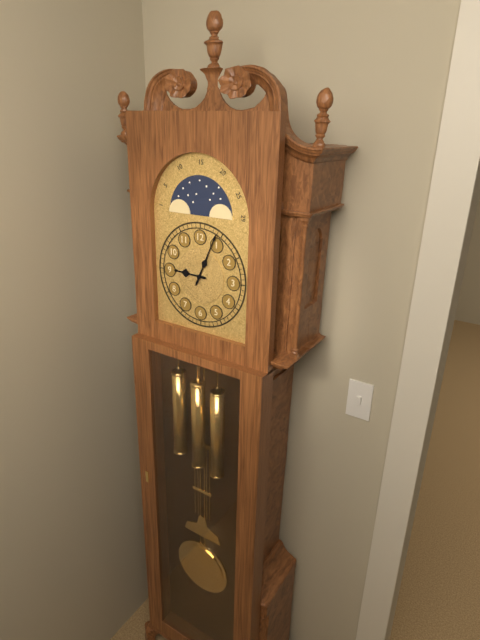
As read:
9.04
